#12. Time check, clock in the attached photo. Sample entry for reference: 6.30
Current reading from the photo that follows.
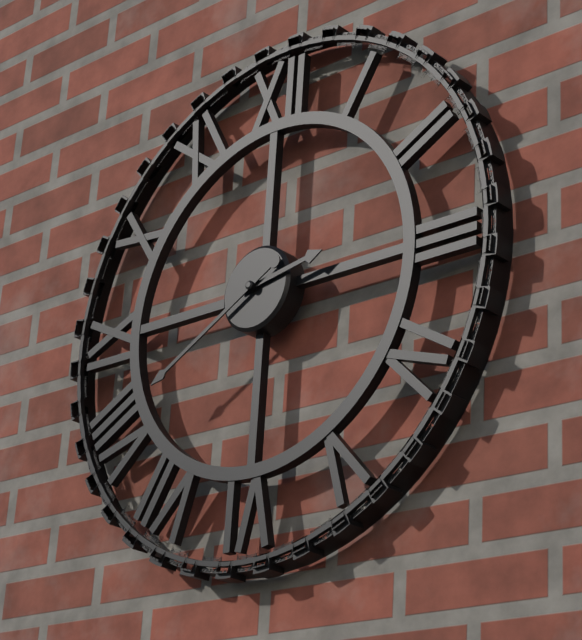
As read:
2.40
